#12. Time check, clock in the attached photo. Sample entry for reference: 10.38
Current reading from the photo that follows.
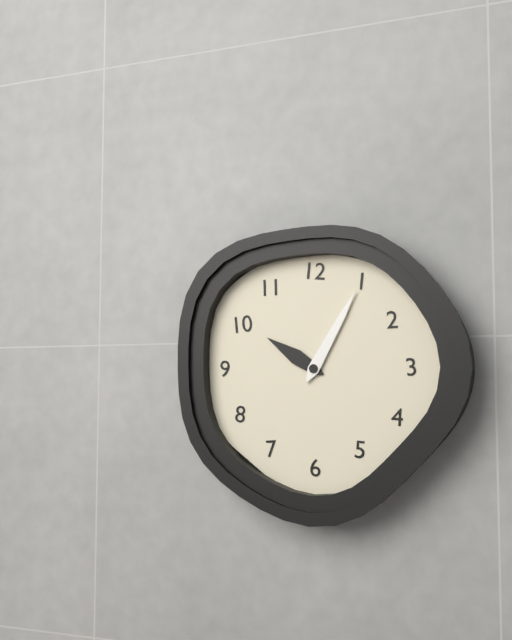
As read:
10.05
